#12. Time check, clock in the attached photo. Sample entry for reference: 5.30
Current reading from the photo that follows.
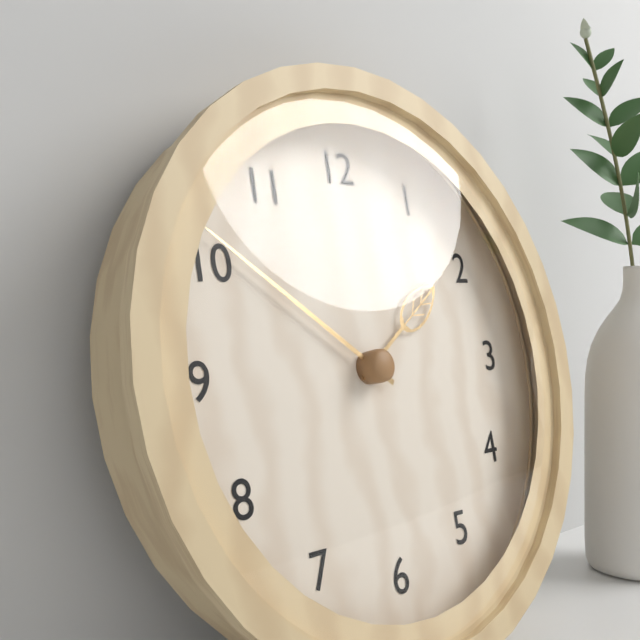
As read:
1.51
